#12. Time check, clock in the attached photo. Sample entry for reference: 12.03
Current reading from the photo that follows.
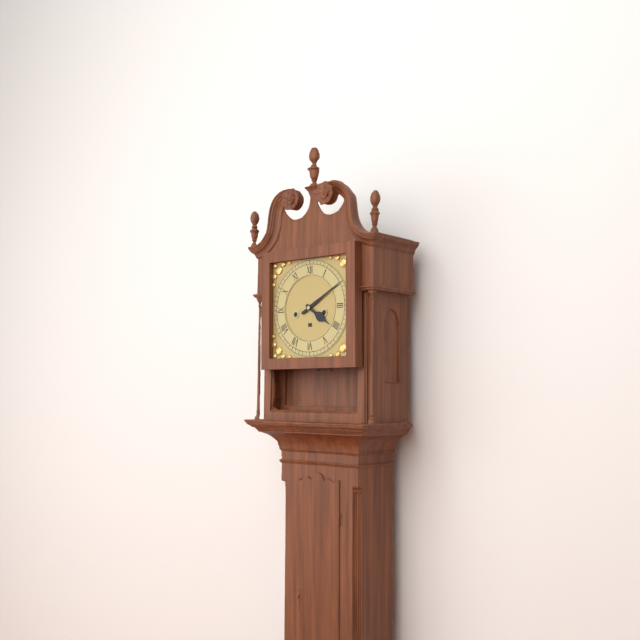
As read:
4.10
